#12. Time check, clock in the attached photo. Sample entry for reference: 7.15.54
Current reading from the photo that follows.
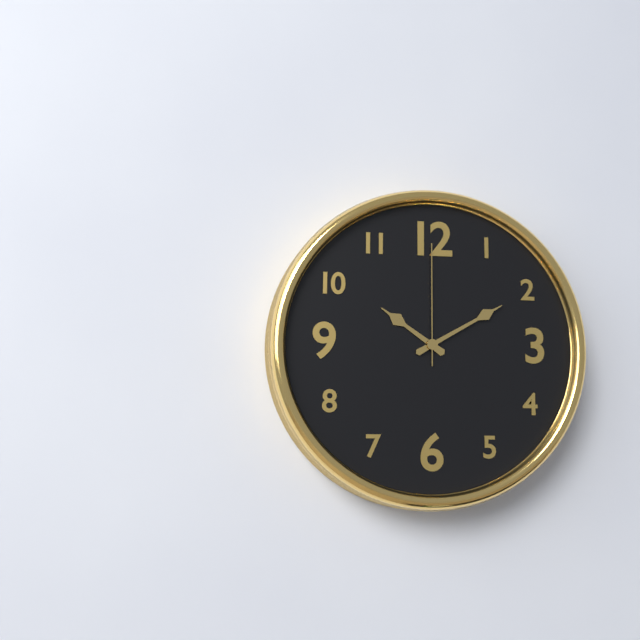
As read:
10.10.00
